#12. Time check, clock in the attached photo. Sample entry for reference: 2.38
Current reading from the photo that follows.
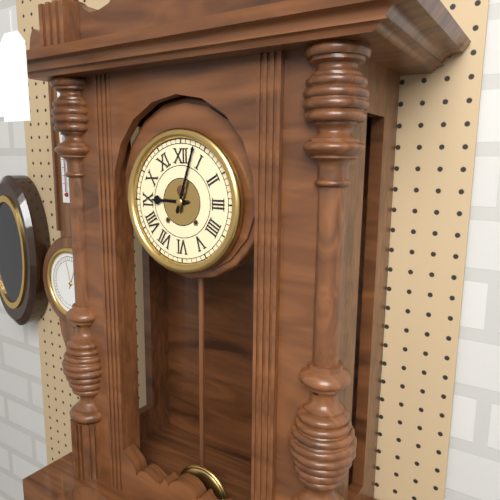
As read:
9.03
